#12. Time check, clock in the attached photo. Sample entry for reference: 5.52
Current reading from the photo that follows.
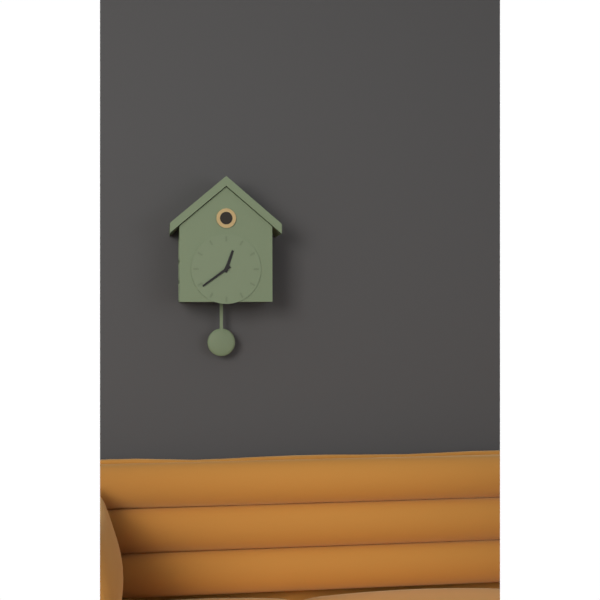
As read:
12.39
